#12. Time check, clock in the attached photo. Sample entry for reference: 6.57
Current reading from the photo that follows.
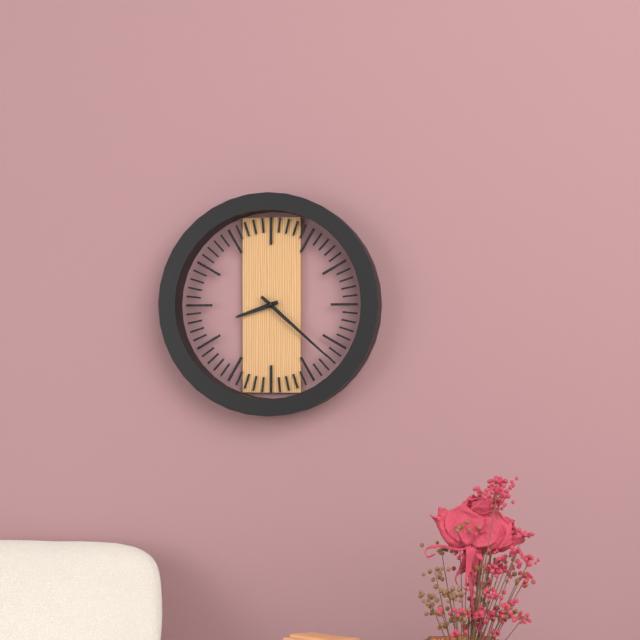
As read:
8.22
